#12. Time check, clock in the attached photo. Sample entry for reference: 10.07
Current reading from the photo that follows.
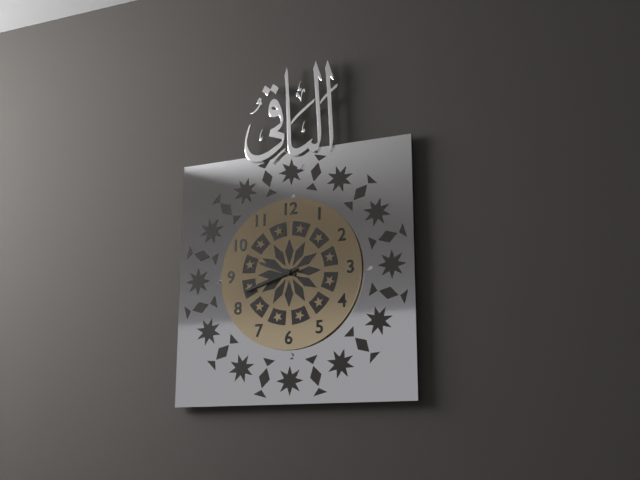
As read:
9.42
